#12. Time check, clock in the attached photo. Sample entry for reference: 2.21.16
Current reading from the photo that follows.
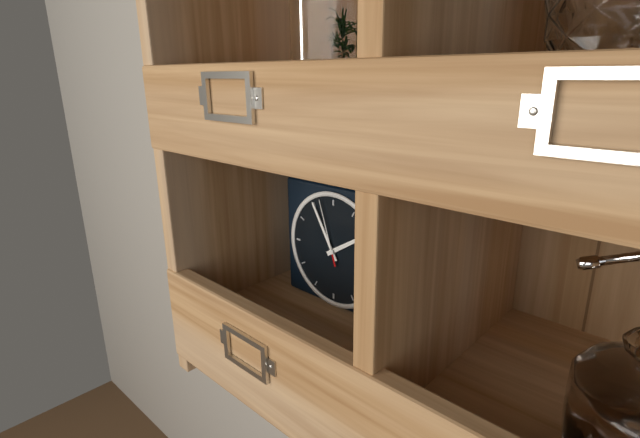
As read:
1.55.57
